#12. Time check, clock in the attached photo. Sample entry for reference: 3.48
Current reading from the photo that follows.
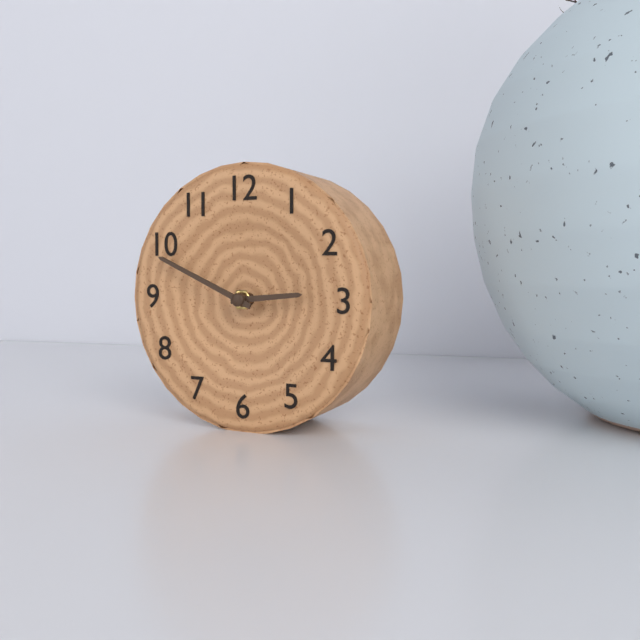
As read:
2.49
